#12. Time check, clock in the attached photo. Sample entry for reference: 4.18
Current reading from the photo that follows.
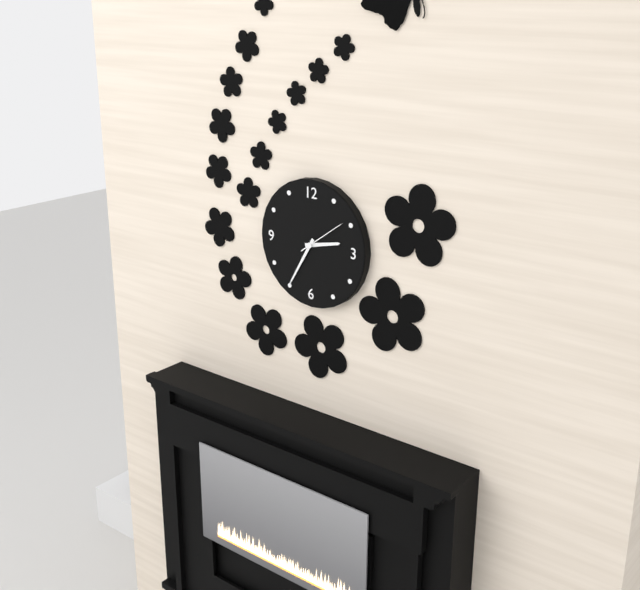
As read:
2.35
